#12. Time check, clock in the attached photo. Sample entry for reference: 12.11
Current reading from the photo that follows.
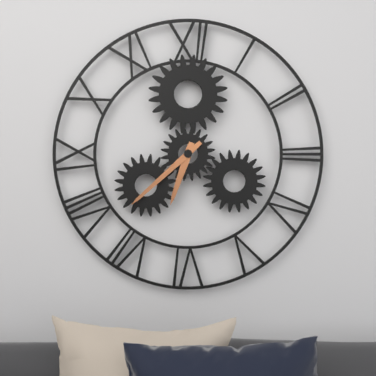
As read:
6.38
